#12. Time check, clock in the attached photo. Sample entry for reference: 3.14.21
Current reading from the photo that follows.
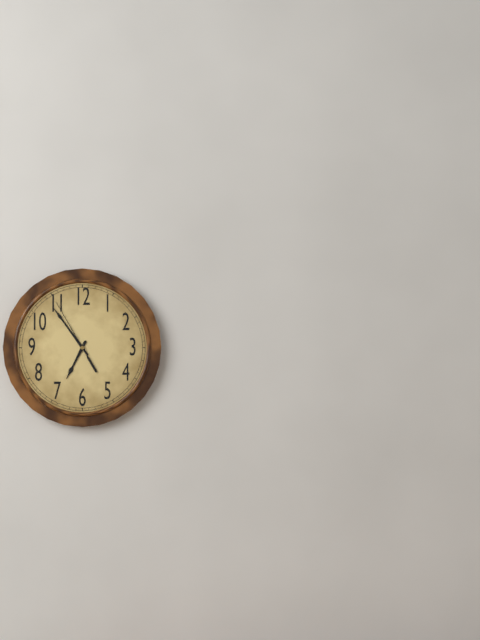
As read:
6.54.55
